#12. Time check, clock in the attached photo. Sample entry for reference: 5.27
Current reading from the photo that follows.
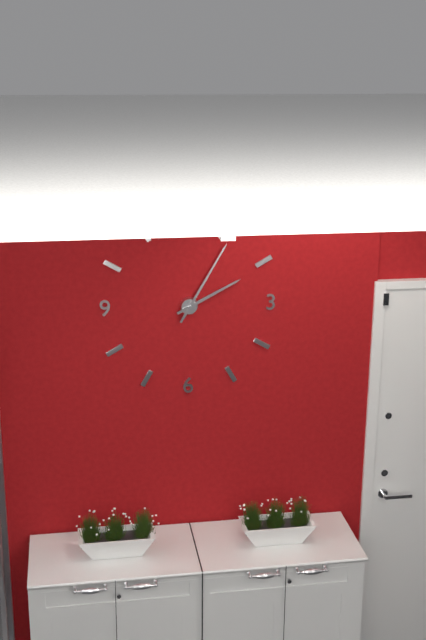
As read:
2.05
